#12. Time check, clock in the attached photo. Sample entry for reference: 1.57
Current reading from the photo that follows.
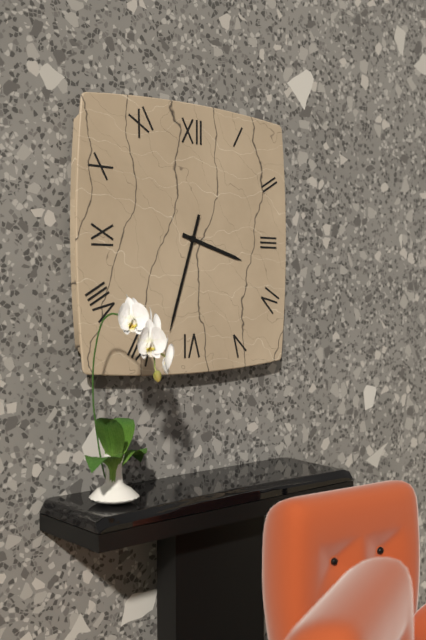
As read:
3.33
